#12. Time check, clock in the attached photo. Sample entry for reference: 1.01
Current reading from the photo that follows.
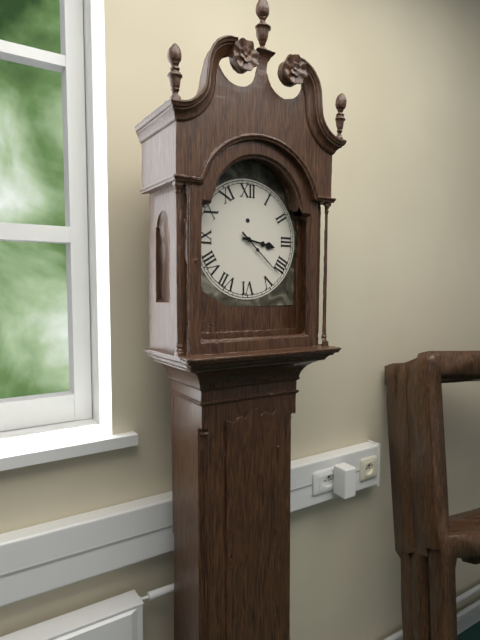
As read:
3.22
